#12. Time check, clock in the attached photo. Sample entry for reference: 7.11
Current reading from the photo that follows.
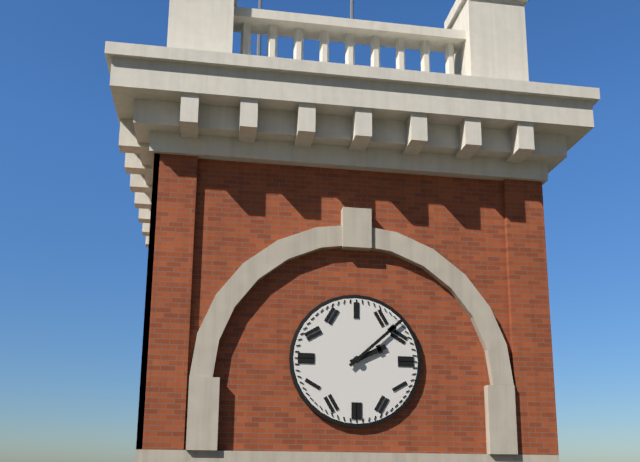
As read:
2.08
